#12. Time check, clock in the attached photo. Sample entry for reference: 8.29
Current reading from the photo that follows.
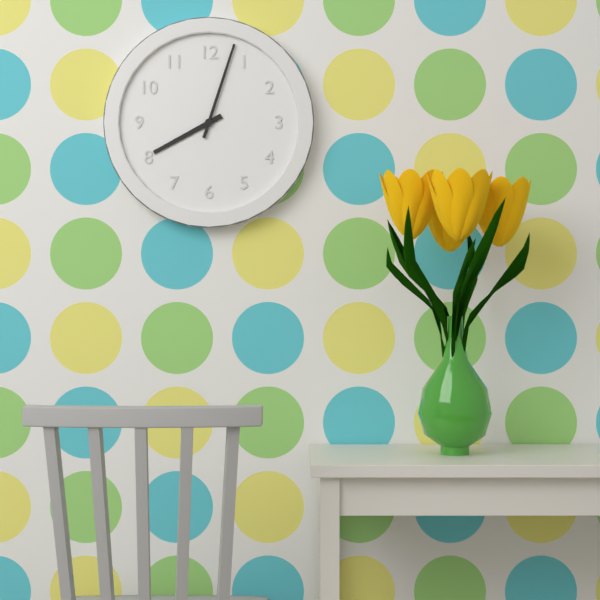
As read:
8.03
